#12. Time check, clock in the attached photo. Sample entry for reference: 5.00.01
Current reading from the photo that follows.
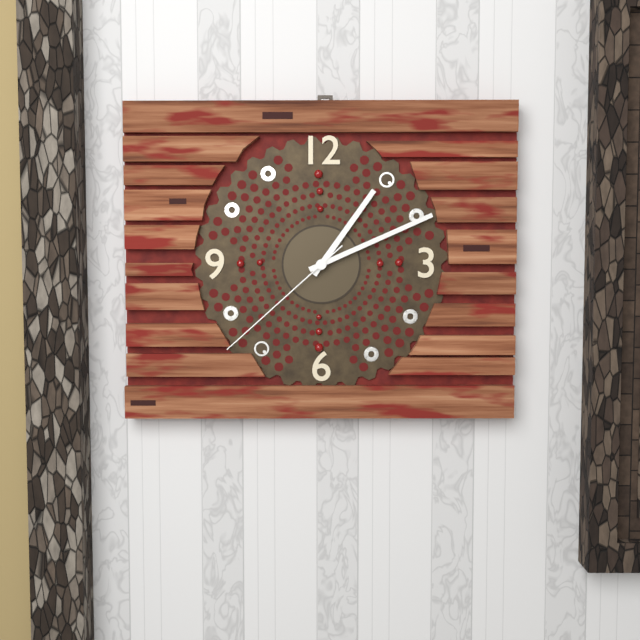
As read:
1.11.38
